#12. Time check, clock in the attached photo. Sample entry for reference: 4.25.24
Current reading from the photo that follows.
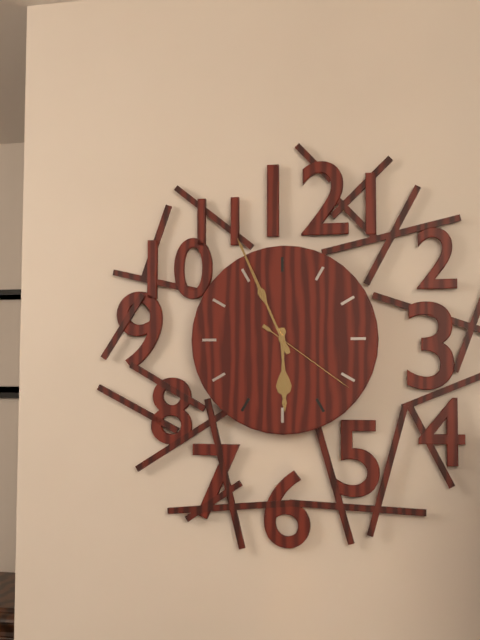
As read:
5.56.21
